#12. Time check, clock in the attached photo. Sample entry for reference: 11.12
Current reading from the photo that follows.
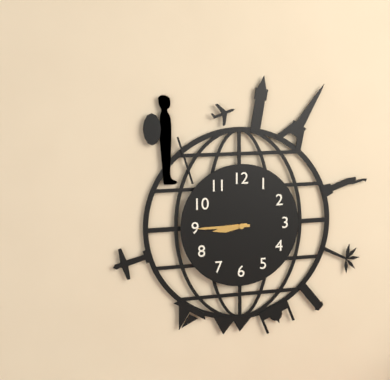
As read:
8.45
